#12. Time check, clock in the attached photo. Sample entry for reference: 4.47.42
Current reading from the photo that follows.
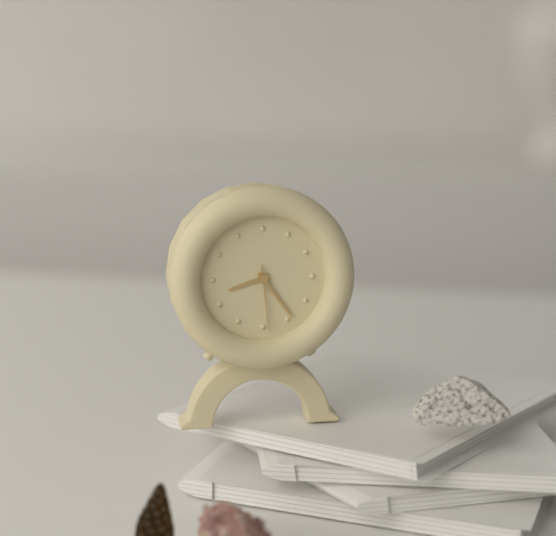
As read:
8.24.29
